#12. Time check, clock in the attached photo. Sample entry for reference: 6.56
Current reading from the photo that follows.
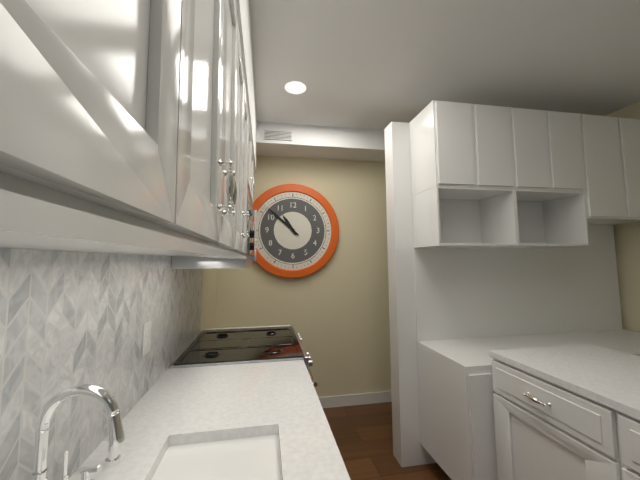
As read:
10.52
